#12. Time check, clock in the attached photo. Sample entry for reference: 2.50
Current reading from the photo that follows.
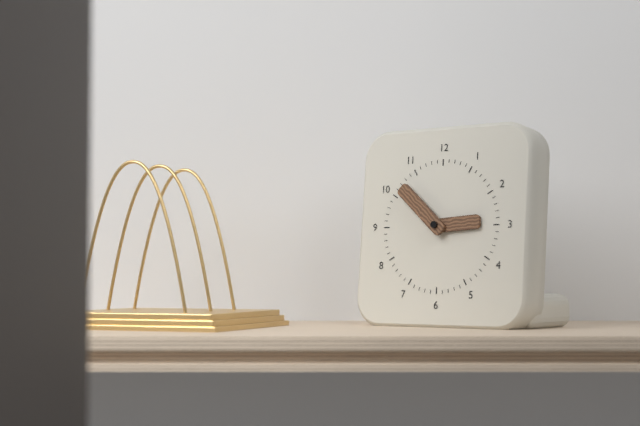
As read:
2.52
